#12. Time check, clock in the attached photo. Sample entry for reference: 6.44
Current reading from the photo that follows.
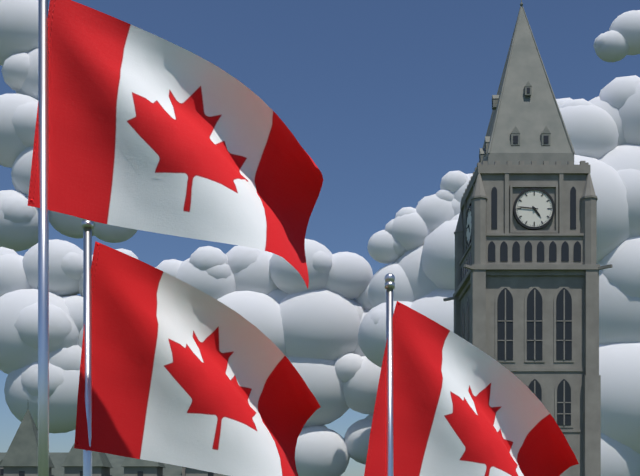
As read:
4.46
